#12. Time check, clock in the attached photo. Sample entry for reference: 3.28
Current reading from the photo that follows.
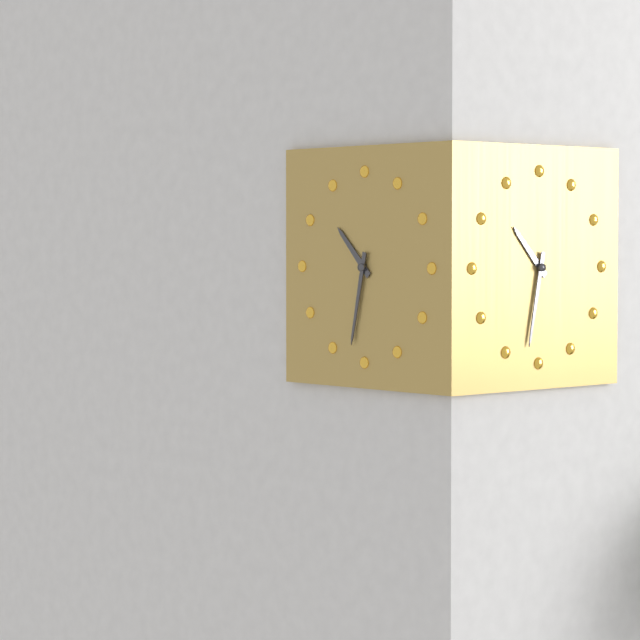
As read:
10.32
